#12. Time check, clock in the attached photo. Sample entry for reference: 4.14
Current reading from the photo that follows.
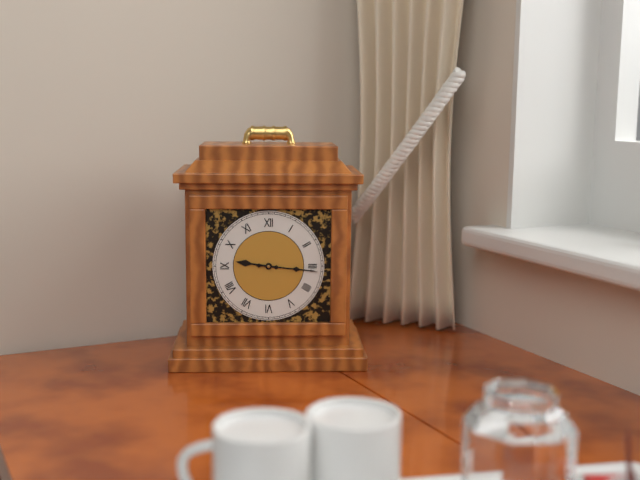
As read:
9.16
